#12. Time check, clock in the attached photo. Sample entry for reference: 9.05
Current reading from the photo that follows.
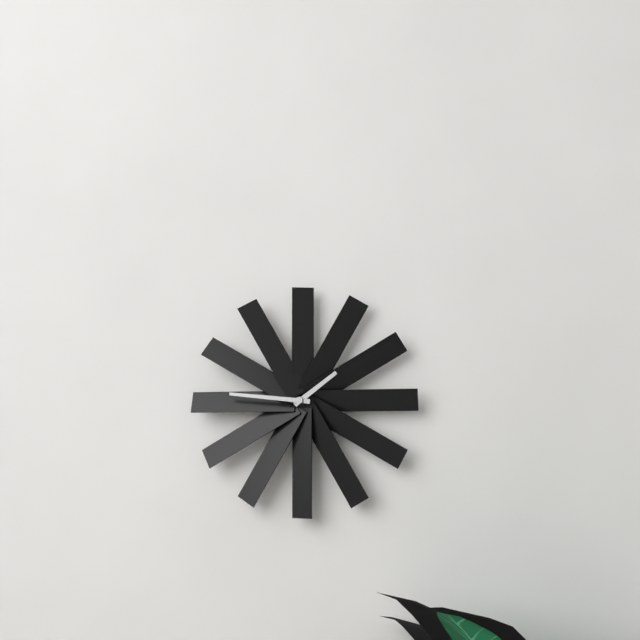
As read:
1.46
